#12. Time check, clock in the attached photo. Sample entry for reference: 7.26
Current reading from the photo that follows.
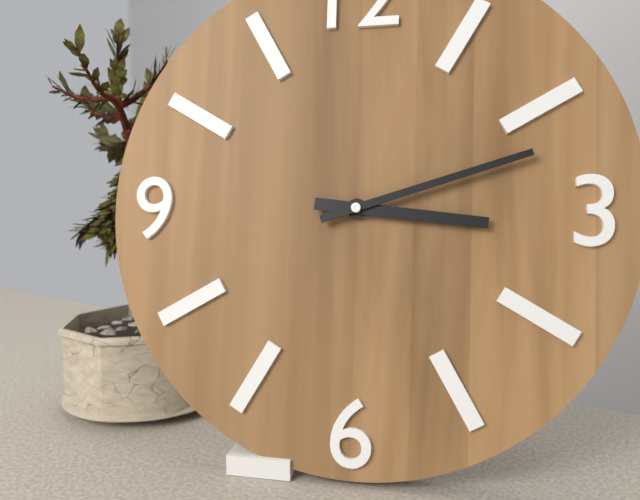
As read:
3.12
